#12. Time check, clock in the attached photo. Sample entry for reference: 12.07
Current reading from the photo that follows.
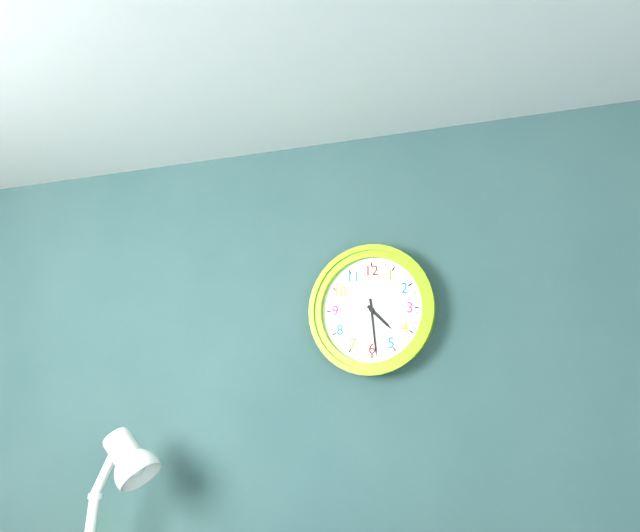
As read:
4.29
